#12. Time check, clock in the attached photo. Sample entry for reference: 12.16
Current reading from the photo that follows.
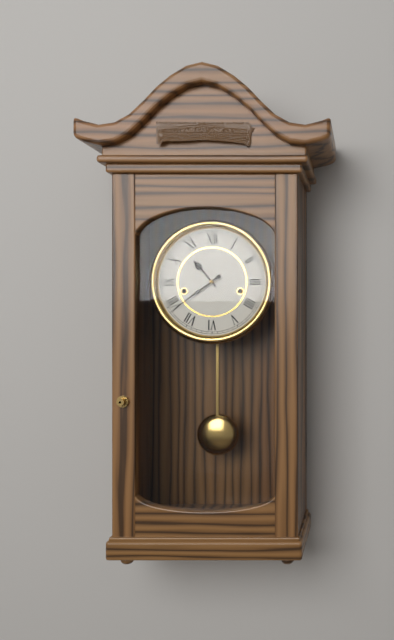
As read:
10.39
